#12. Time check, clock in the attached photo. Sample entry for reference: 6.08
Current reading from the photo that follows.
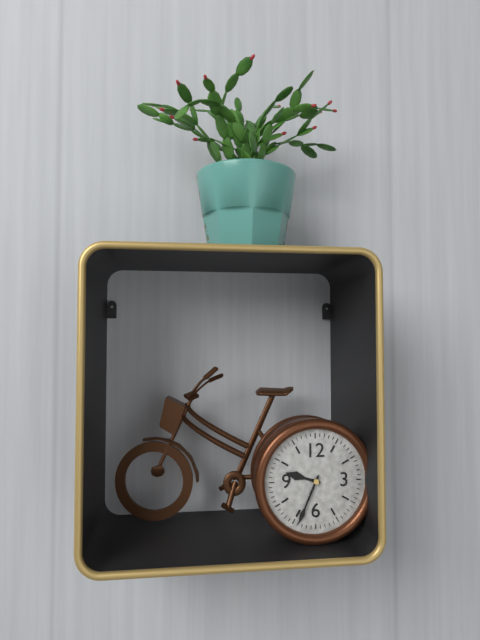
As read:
9.34
